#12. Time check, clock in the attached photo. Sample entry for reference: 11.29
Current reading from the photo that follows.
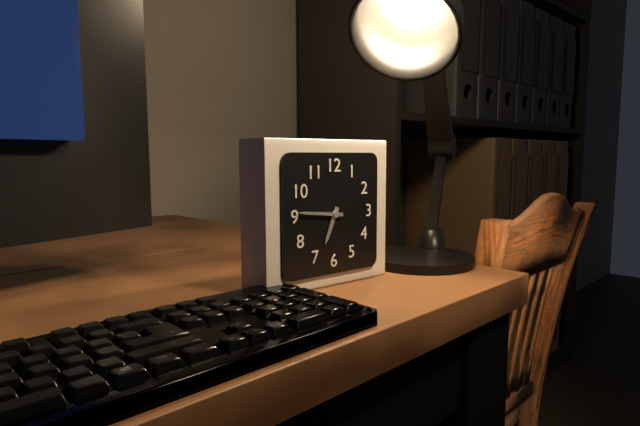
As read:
6.46
